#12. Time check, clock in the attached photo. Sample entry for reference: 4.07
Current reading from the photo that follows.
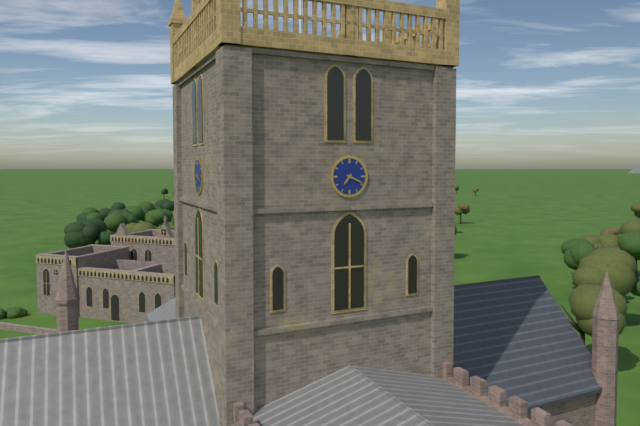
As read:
7.19
